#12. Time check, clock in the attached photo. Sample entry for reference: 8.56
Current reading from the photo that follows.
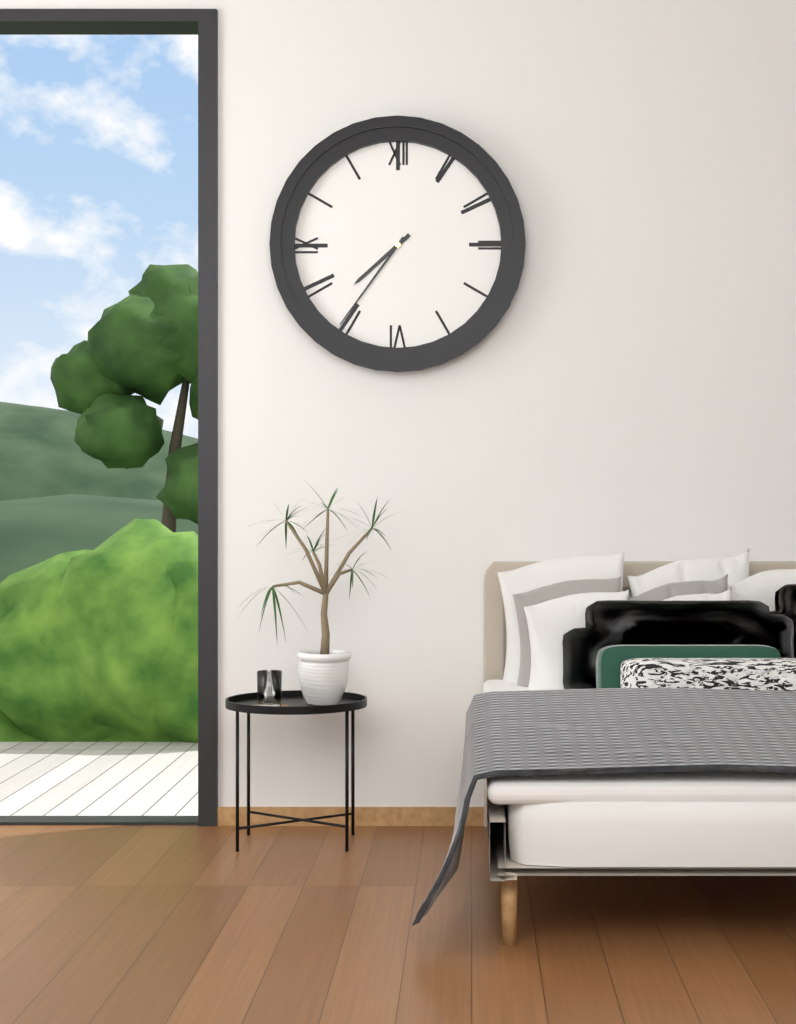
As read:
7.36
